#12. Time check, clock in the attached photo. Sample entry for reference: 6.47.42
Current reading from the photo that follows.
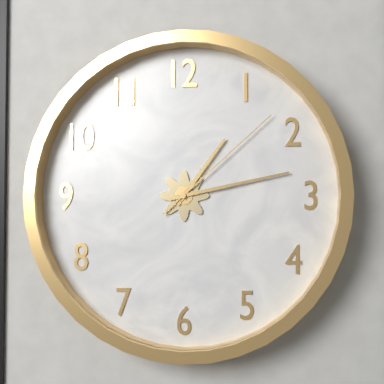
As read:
1.13.08
